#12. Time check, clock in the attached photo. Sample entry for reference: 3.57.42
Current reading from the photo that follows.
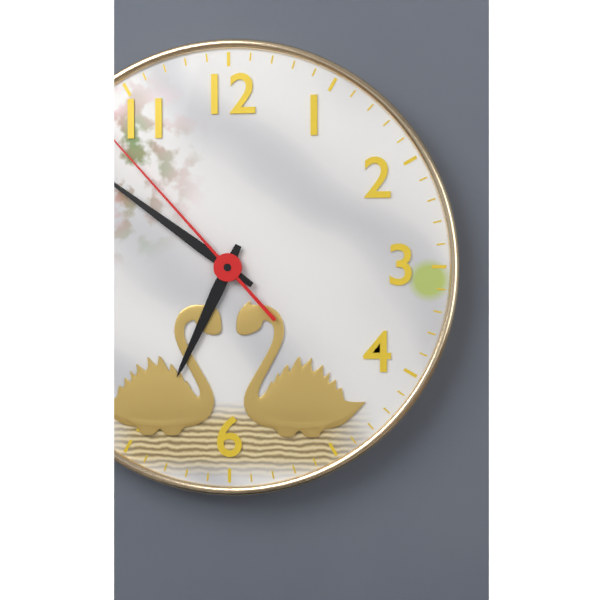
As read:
6.51.53
